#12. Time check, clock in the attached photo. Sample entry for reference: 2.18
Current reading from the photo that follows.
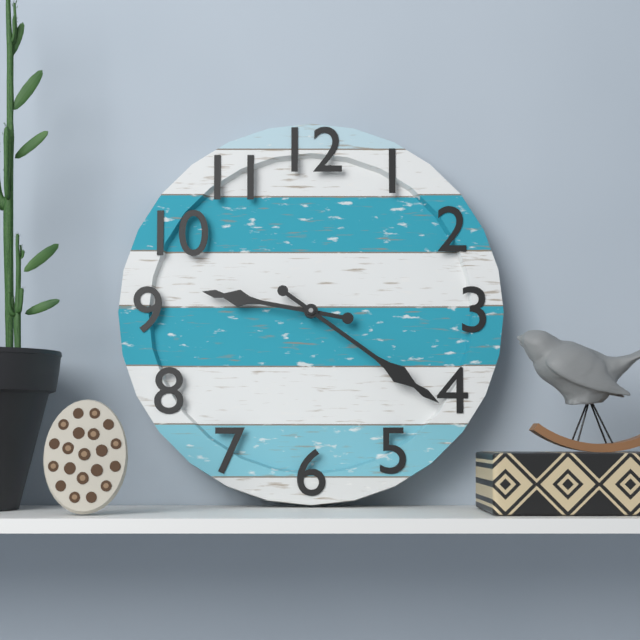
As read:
9.21
